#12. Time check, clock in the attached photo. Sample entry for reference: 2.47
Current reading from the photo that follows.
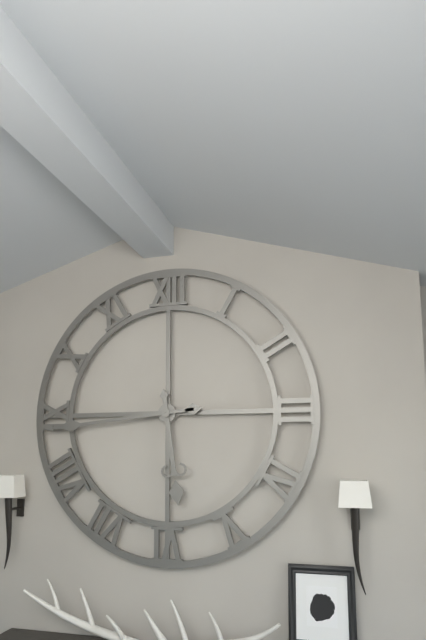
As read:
5.44
